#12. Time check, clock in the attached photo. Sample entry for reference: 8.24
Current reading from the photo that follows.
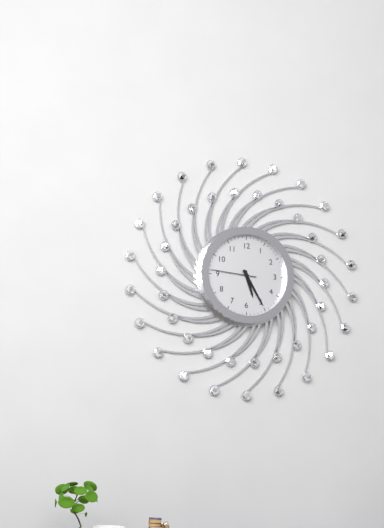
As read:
5.25
